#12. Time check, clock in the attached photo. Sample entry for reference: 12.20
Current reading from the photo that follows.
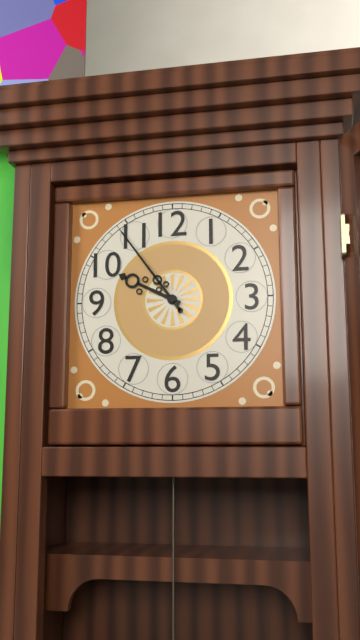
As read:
9.54
